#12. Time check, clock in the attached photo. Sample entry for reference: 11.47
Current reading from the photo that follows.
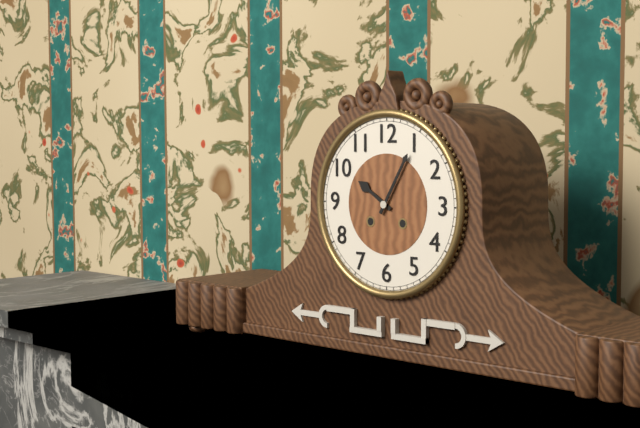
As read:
10.05
